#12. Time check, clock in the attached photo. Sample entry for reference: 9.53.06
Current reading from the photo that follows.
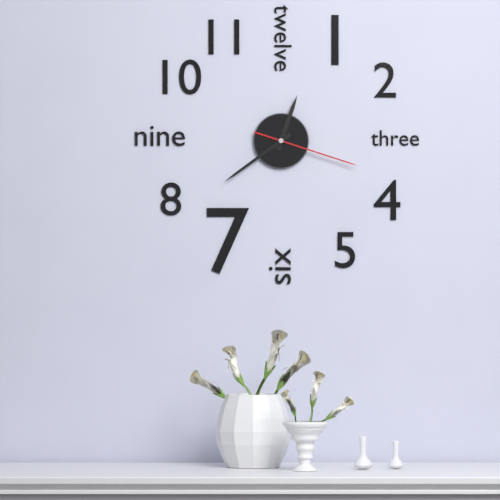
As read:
12.39.18
